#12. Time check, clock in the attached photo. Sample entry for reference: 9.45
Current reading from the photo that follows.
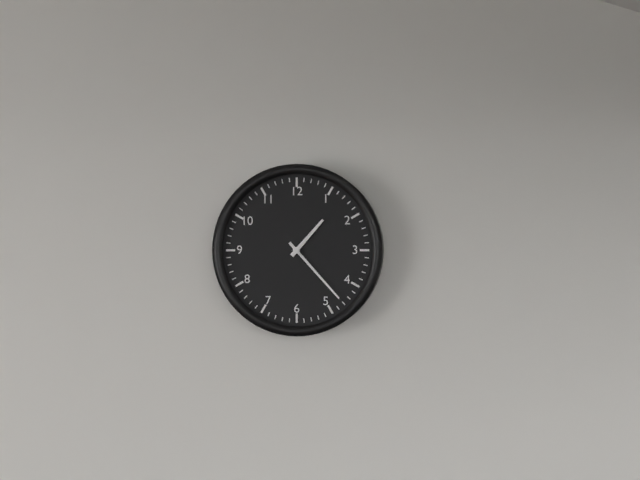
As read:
1.23
